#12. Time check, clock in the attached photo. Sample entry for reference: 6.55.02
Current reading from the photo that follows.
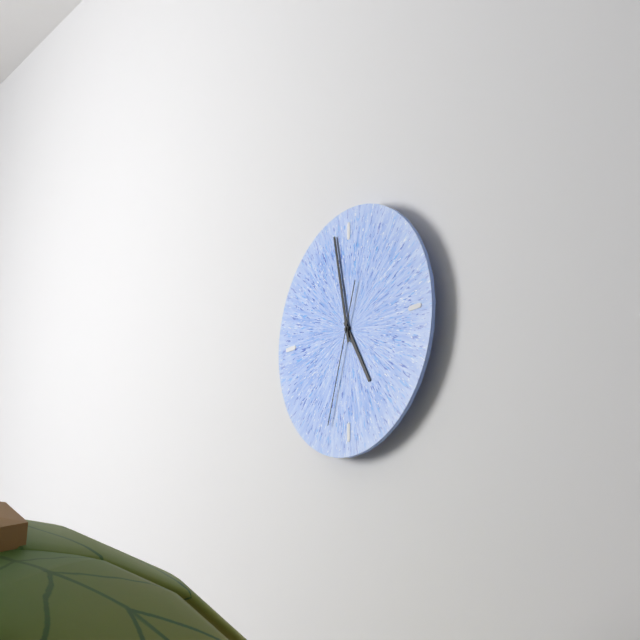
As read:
4.58.33
